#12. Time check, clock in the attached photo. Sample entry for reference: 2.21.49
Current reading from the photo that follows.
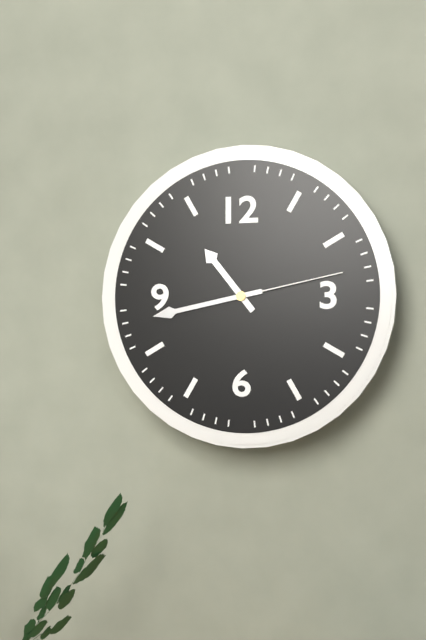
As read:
10.43.13
